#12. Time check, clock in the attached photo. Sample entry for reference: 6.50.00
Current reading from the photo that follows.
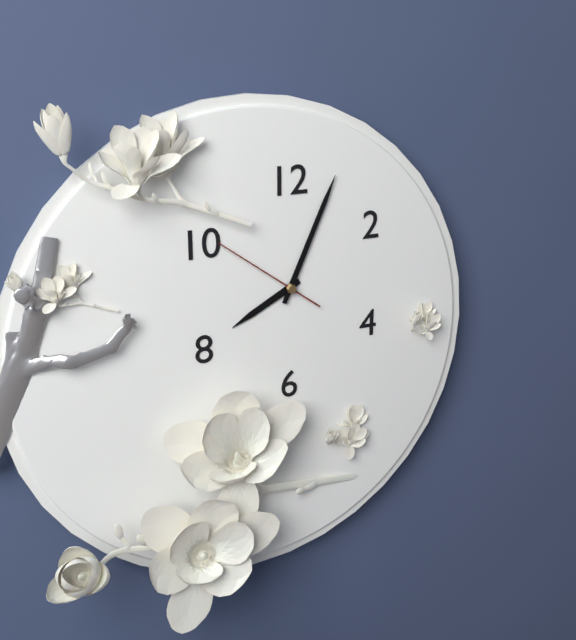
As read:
8.04.51
